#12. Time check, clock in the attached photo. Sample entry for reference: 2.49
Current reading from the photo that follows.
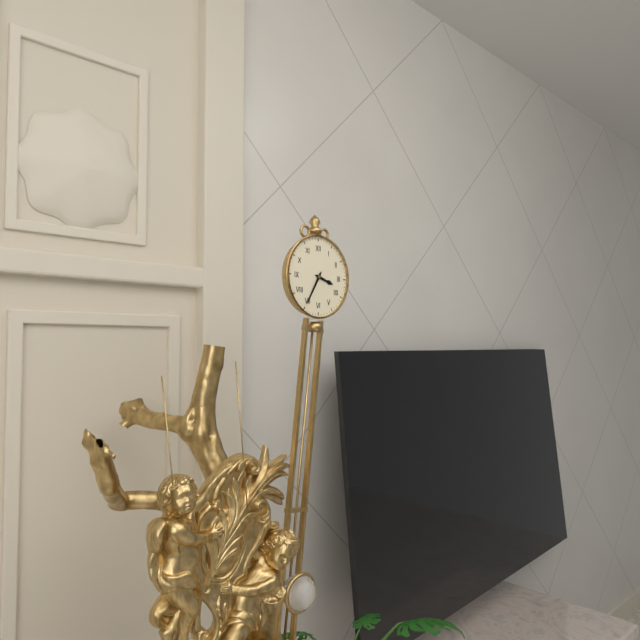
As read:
3.35
